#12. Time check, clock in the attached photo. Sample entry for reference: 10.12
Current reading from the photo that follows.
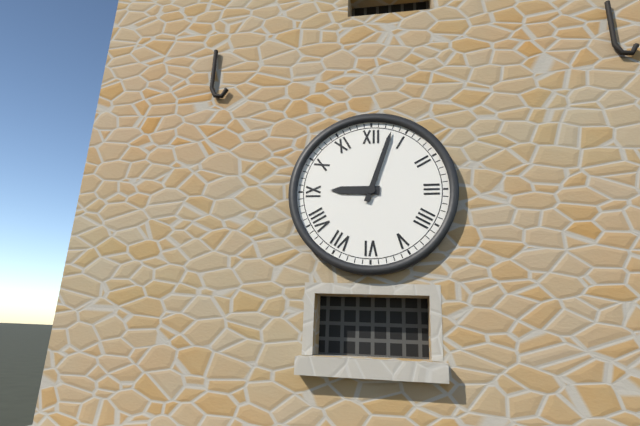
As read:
9.03
